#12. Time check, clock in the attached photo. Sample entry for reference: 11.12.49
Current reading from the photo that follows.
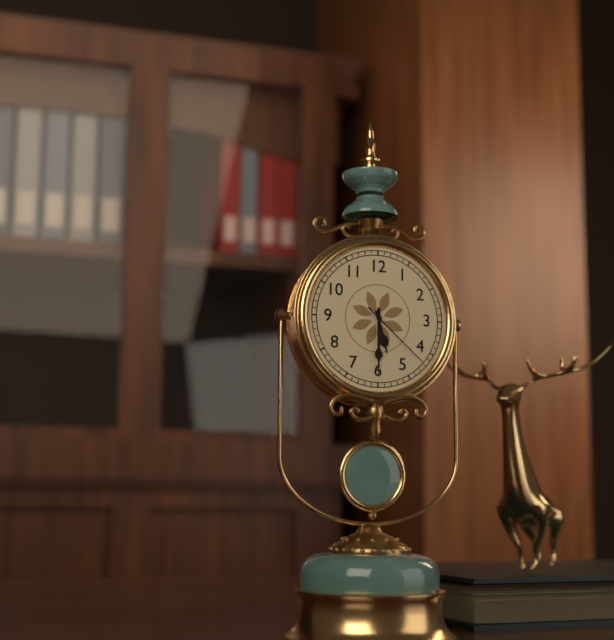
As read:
5.30.22
